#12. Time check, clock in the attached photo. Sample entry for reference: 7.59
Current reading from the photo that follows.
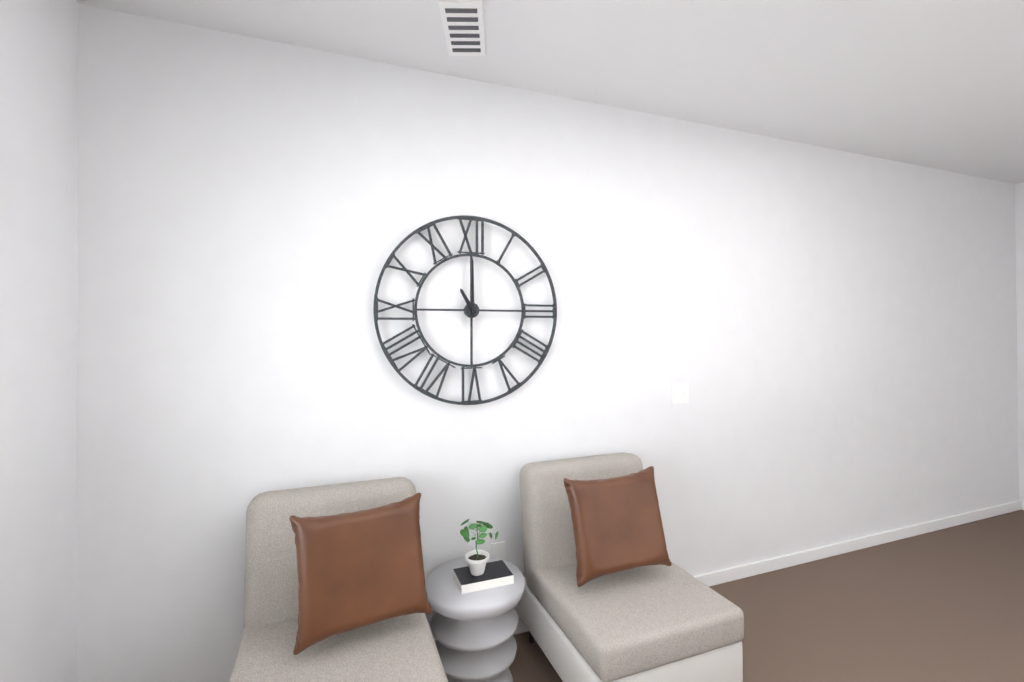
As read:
11.00
